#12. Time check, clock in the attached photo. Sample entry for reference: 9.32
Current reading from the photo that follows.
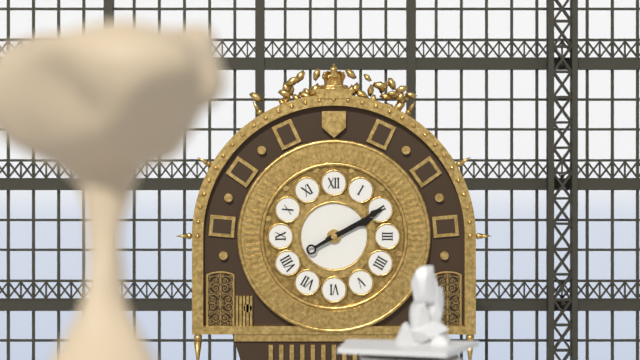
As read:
2.10
